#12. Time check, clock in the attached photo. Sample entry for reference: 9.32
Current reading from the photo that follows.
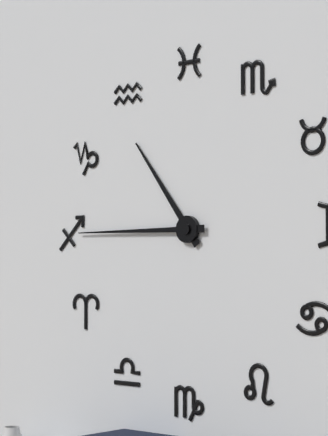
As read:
10.45
